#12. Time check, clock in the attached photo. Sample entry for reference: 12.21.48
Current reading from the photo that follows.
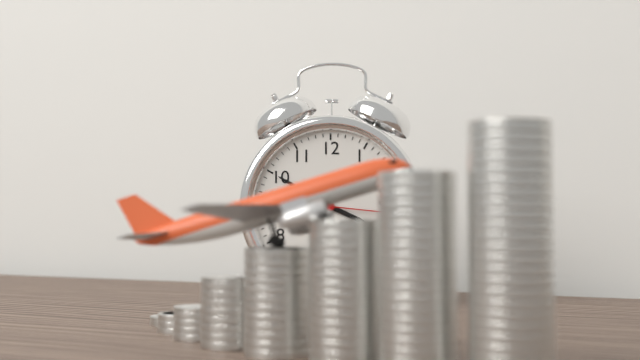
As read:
3.50.16
